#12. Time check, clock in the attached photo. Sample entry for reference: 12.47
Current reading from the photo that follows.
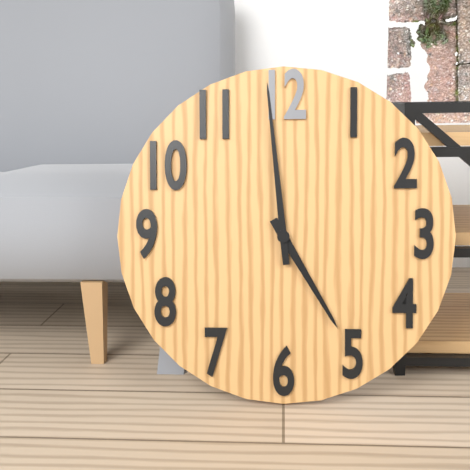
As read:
4.59
